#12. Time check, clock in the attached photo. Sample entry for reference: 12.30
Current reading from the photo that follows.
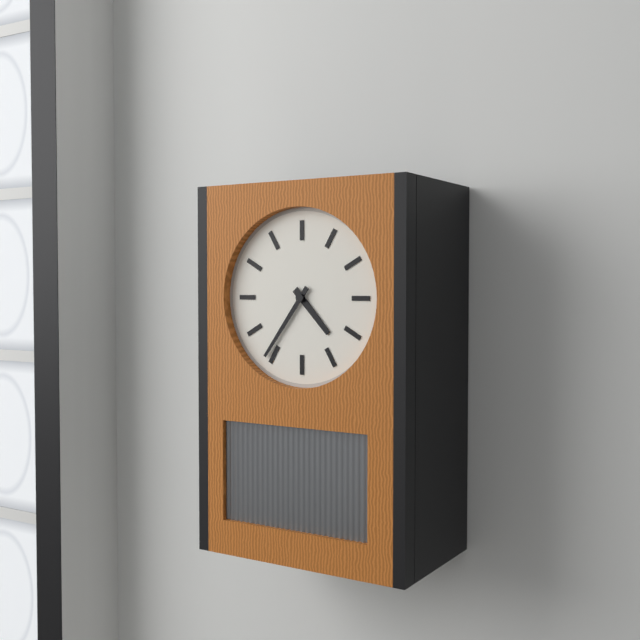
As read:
4.36
